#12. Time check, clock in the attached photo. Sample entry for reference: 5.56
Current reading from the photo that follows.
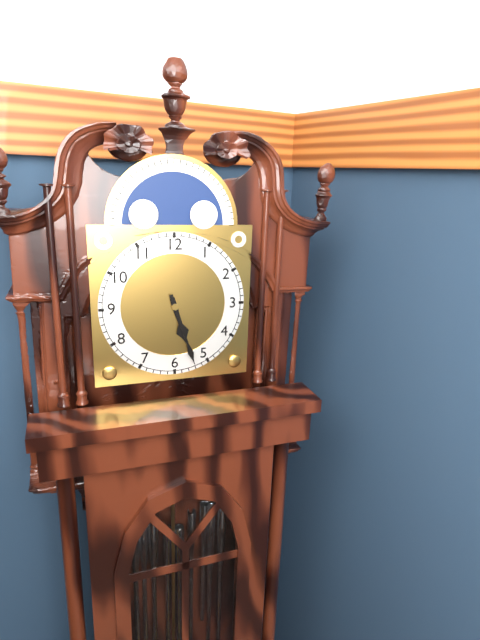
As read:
5.27
